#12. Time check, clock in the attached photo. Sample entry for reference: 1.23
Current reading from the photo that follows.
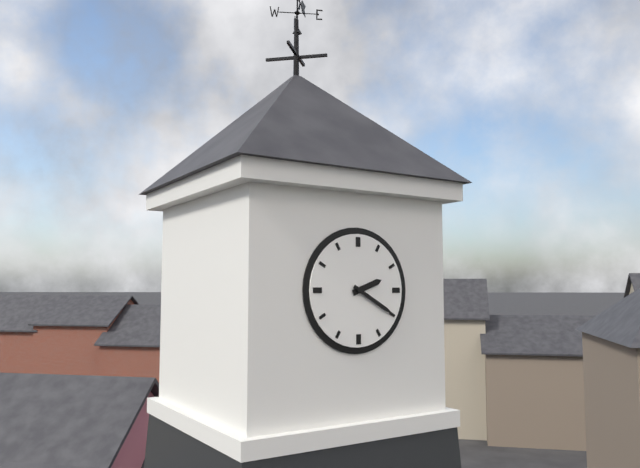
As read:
2.20
